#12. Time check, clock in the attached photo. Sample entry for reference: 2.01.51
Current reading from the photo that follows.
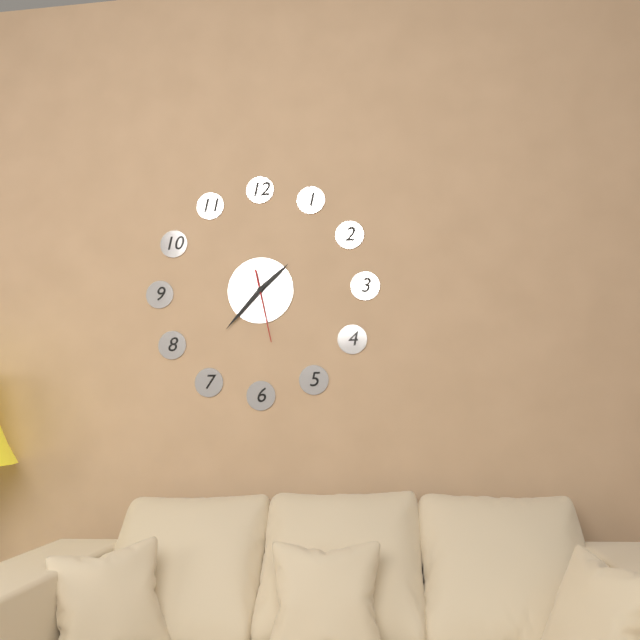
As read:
1.37.28
